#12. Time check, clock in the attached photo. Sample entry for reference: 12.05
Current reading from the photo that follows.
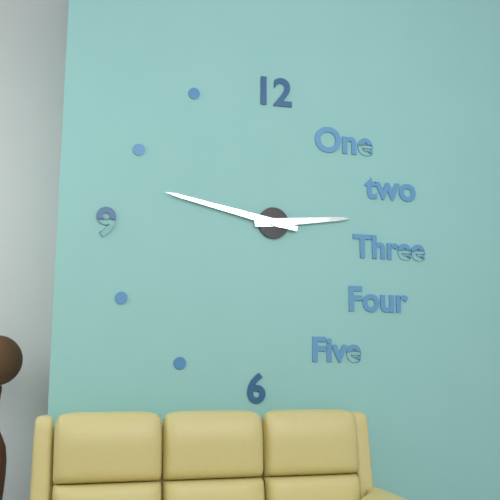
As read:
2.47
